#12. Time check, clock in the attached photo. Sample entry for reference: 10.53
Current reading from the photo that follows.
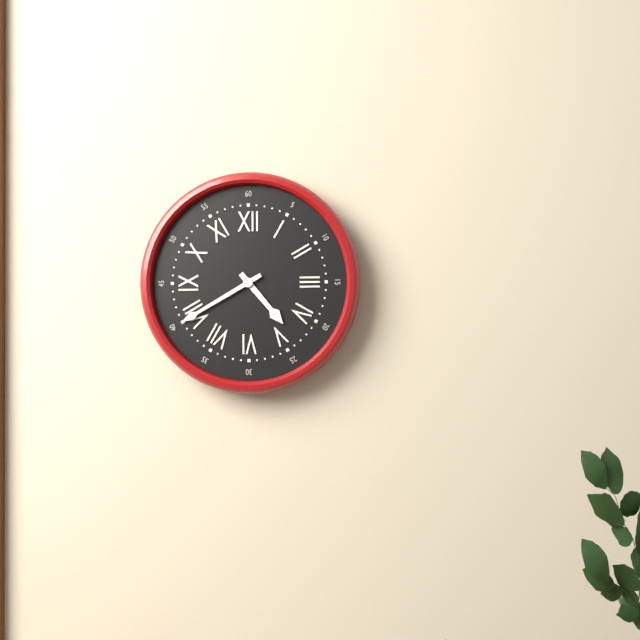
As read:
4.40
